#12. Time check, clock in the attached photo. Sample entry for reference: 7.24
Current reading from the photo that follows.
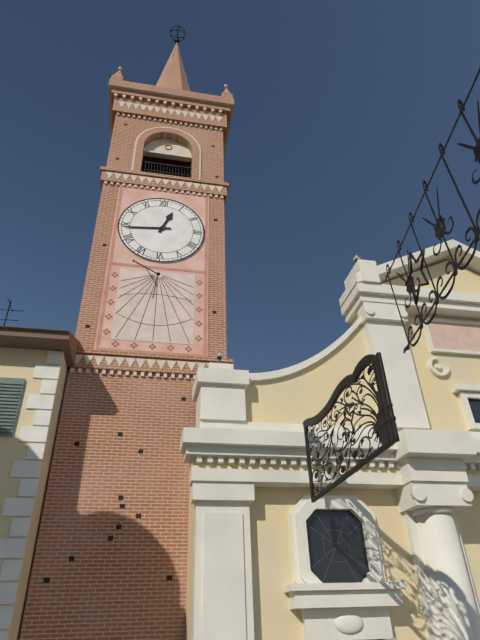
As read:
12.44
